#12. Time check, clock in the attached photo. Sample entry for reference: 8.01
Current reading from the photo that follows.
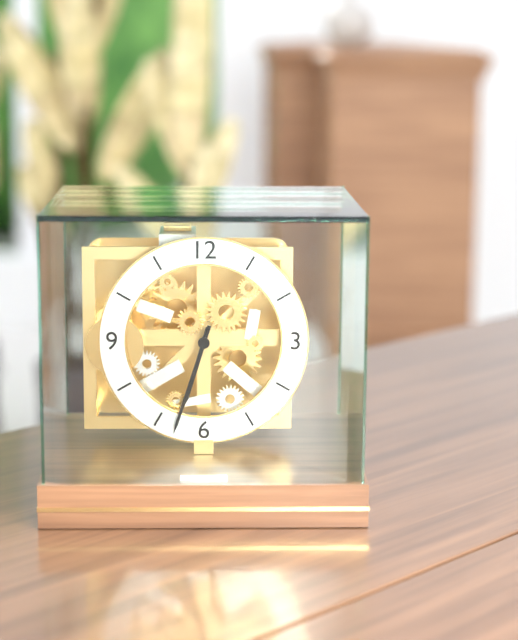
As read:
6.33
